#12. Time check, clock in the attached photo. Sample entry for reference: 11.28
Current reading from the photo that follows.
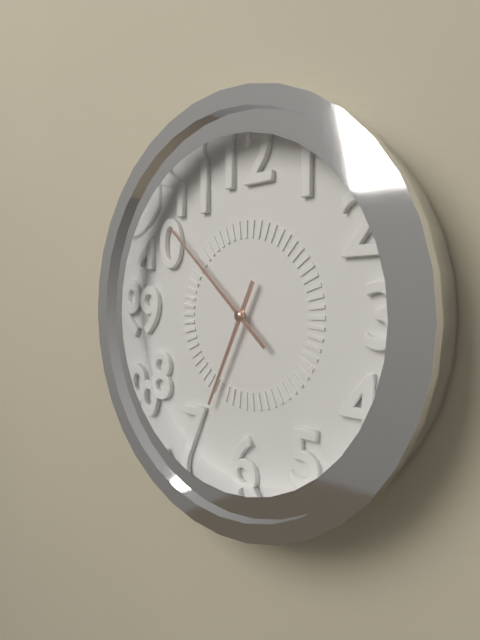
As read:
6.52
